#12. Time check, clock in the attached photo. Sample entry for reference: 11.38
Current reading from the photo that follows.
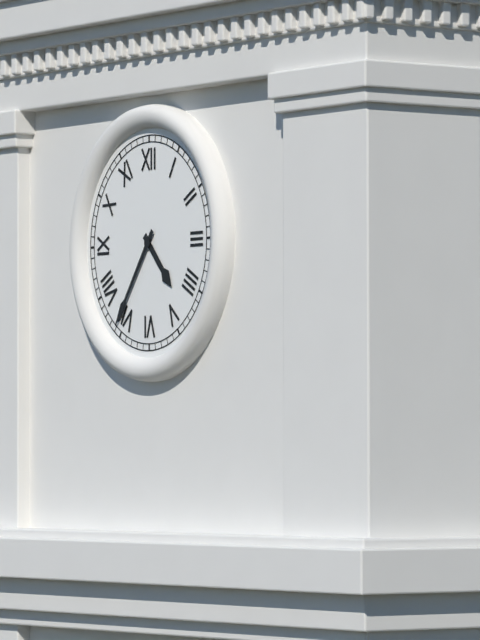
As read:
4.36
